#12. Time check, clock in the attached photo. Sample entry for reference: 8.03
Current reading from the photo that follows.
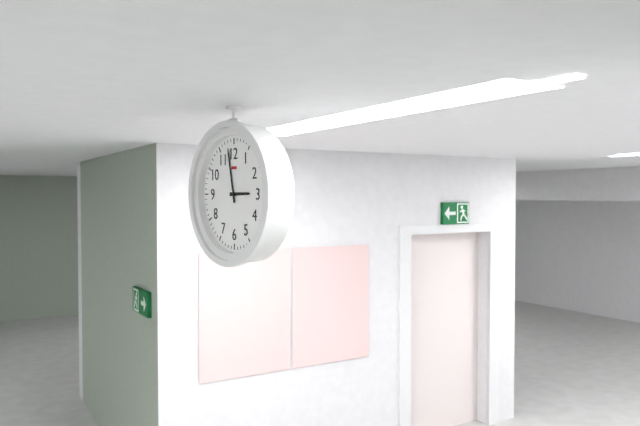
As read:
2.58
